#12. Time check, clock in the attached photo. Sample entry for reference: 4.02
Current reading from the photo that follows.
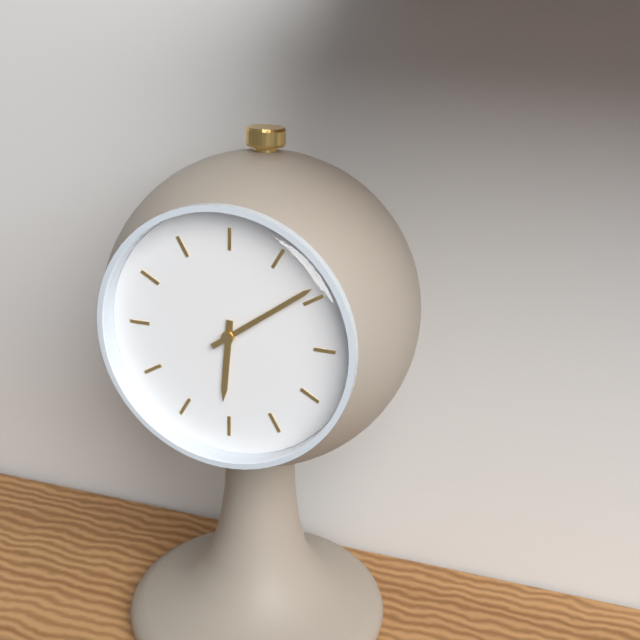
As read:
6.09
